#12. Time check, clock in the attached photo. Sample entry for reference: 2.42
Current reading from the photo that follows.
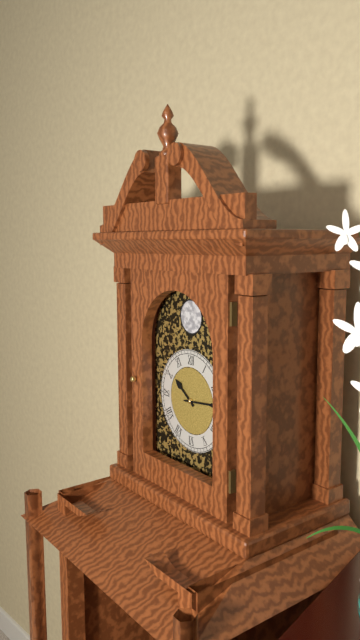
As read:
10.14
